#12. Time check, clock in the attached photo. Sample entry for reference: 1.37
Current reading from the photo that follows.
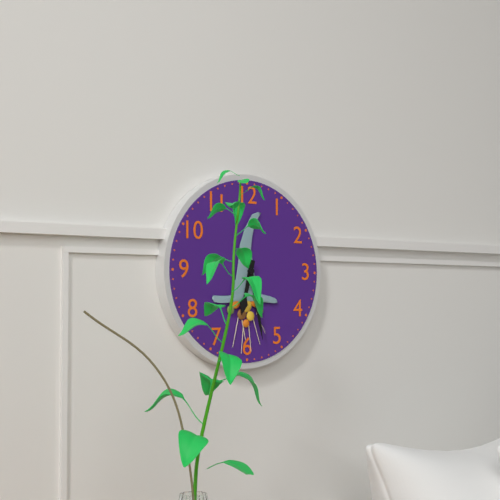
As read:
6.28
